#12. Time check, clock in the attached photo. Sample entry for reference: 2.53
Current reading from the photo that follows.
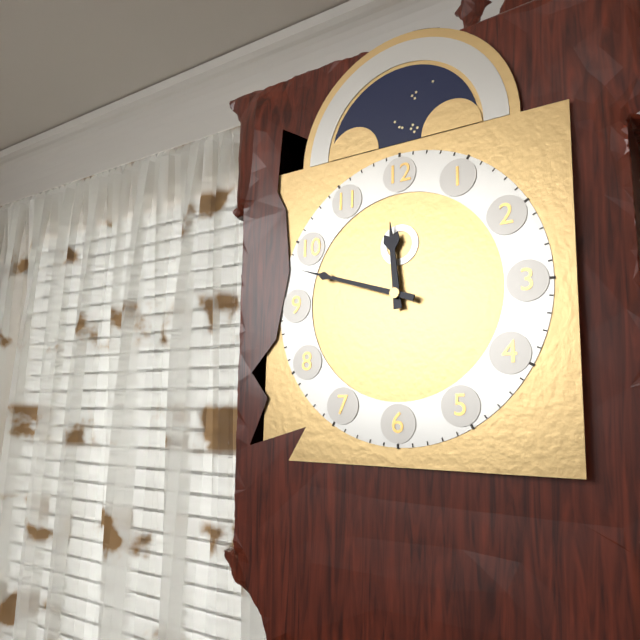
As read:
11.48
